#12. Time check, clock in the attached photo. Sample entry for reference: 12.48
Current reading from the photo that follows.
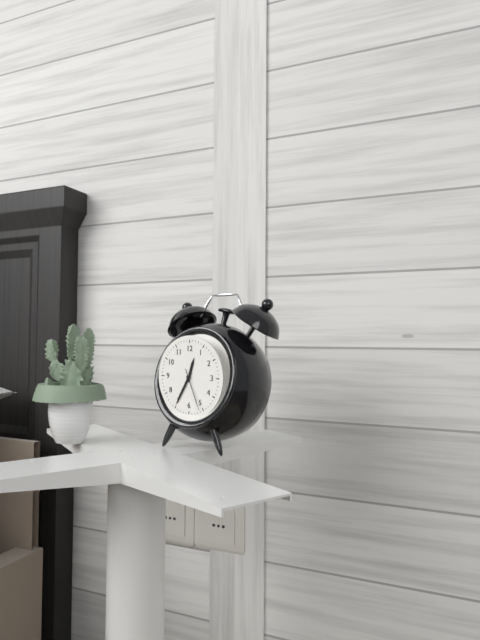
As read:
12.35
